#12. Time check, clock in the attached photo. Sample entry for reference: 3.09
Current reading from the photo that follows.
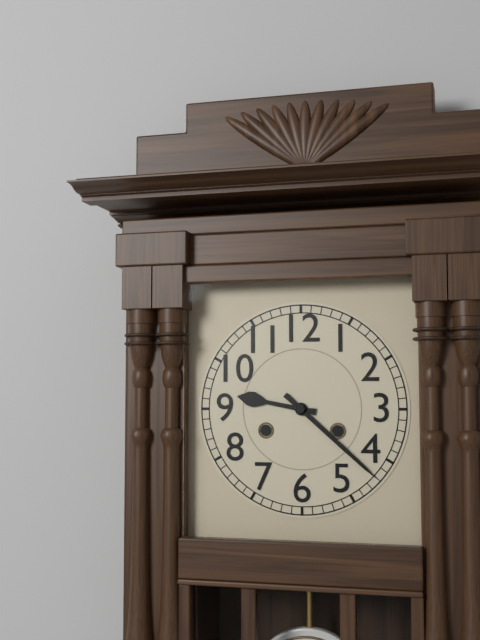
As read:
9.22
